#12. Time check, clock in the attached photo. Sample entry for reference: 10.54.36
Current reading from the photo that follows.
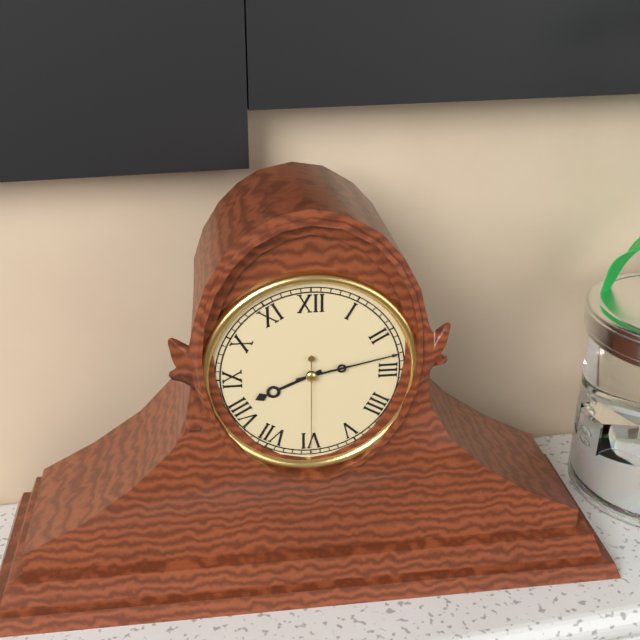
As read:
8.13.30
